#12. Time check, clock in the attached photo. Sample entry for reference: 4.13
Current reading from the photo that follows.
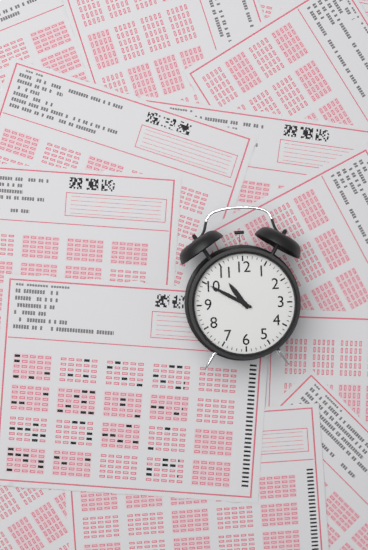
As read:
10.50
